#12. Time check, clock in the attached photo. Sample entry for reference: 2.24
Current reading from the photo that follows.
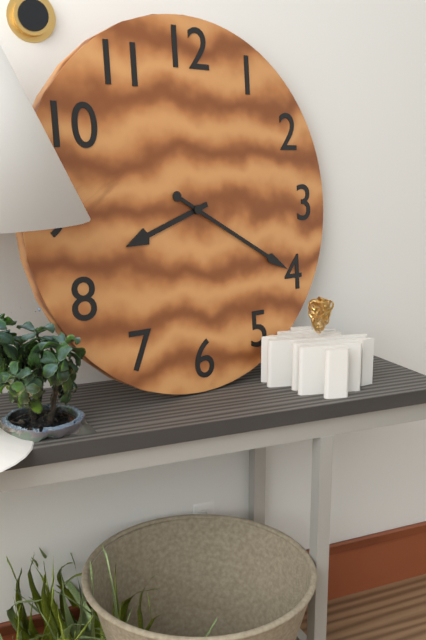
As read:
8.20
